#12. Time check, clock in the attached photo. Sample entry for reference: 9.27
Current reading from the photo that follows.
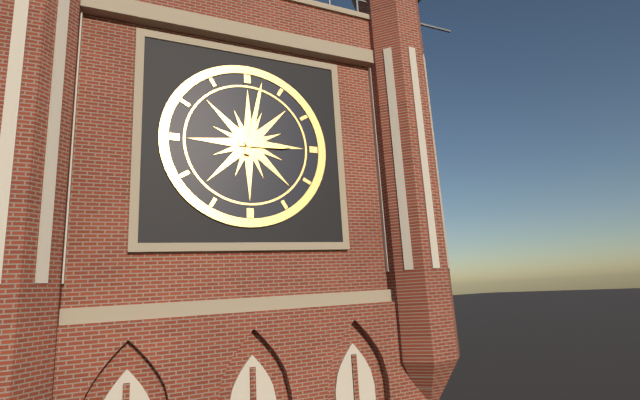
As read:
3.02
